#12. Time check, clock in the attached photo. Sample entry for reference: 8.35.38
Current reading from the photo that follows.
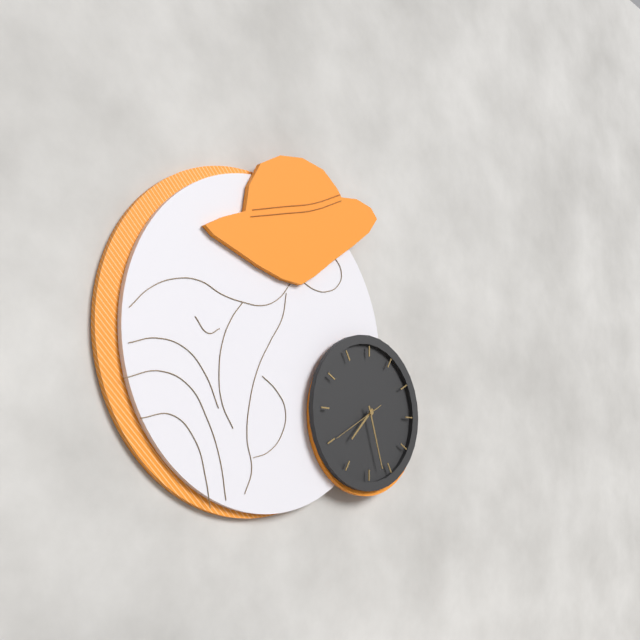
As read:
7.27.40
